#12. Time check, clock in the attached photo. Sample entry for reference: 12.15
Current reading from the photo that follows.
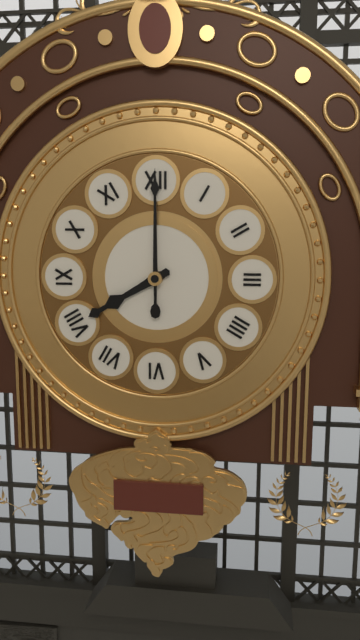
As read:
8.00
